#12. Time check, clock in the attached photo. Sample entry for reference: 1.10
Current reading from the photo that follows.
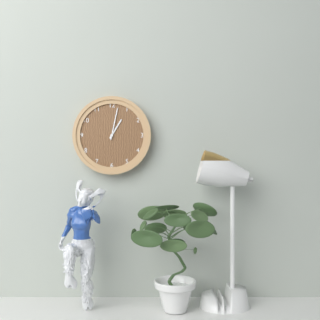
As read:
1.02
